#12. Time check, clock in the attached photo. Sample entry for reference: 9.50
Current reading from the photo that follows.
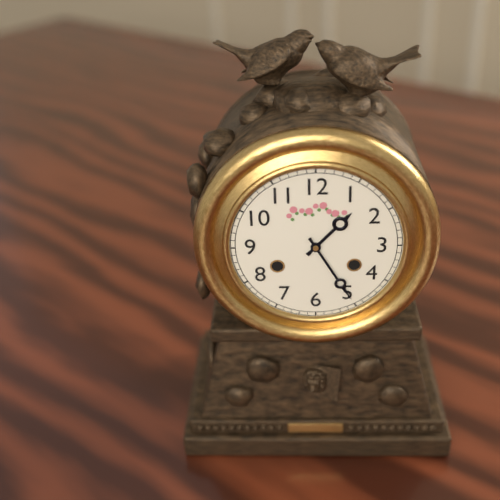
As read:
1.25
